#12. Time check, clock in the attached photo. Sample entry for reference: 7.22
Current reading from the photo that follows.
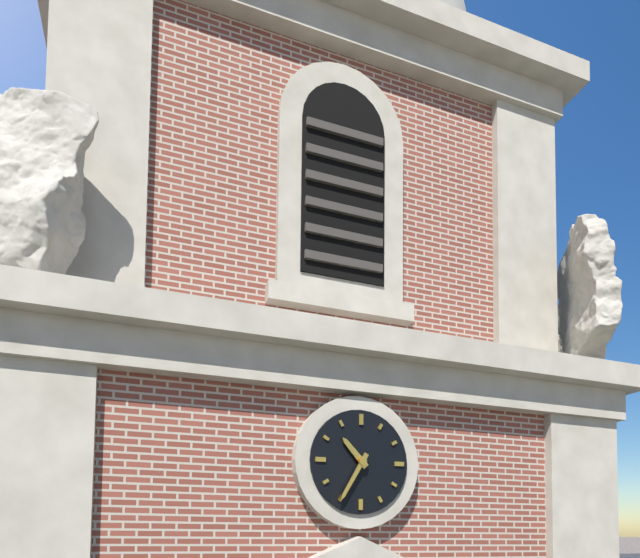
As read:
10.35
